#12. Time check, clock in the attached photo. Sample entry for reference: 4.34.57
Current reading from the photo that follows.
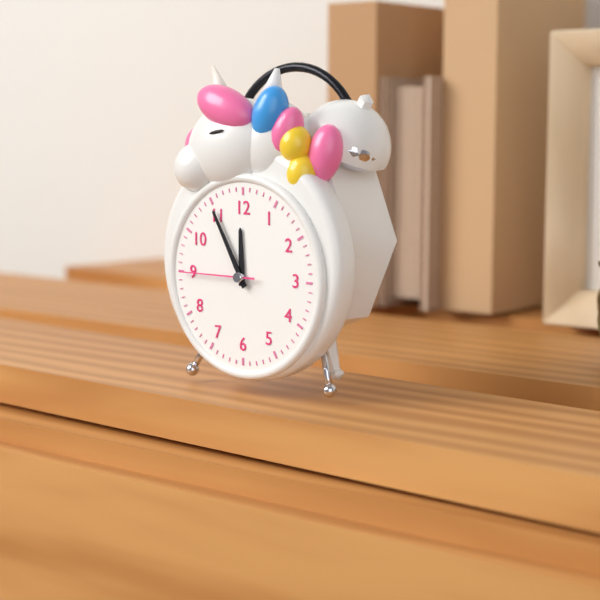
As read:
11.55.45
